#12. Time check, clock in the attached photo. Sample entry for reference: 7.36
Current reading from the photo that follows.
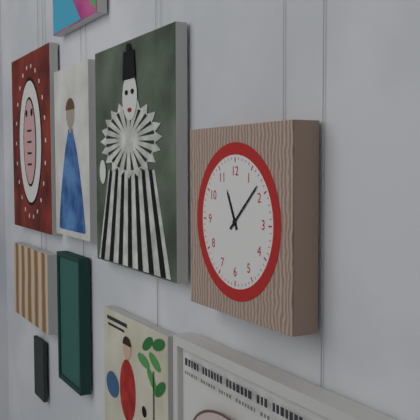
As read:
11.08
